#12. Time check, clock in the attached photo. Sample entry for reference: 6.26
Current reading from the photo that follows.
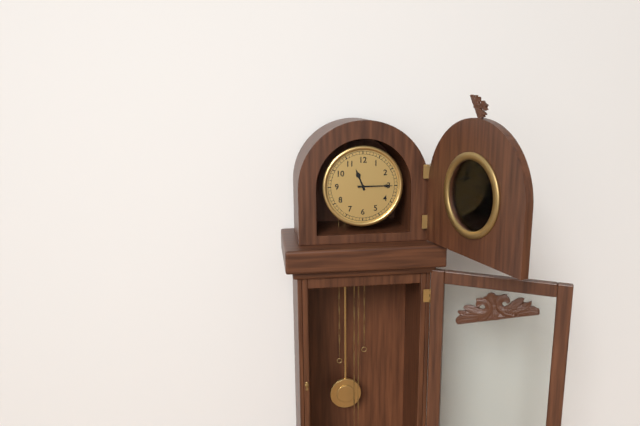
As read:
11.15
